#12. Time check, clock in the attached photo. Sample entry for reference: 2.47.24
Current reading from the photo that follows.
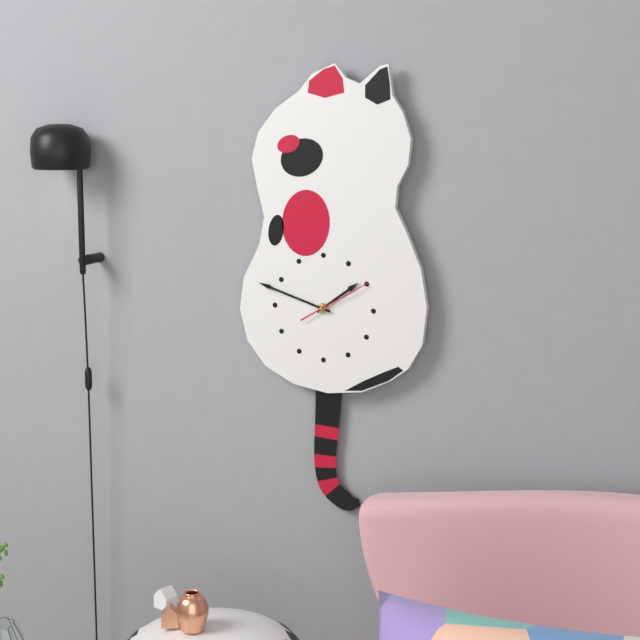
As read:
1.48.10
